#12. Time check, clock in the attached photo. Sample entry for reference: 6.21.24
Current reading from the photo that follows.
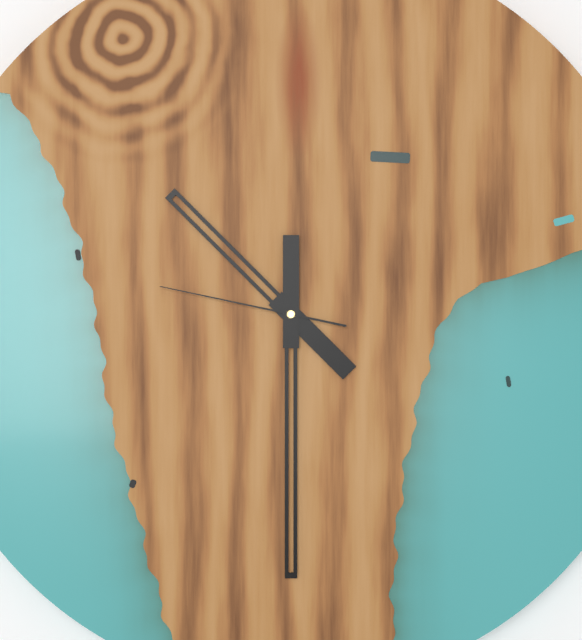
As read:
10.30.47
